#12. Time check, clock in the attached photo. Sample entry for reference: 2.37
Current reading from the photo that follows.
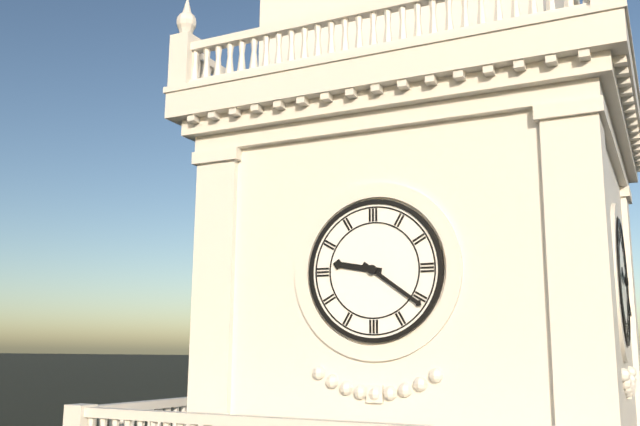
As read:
9.21
